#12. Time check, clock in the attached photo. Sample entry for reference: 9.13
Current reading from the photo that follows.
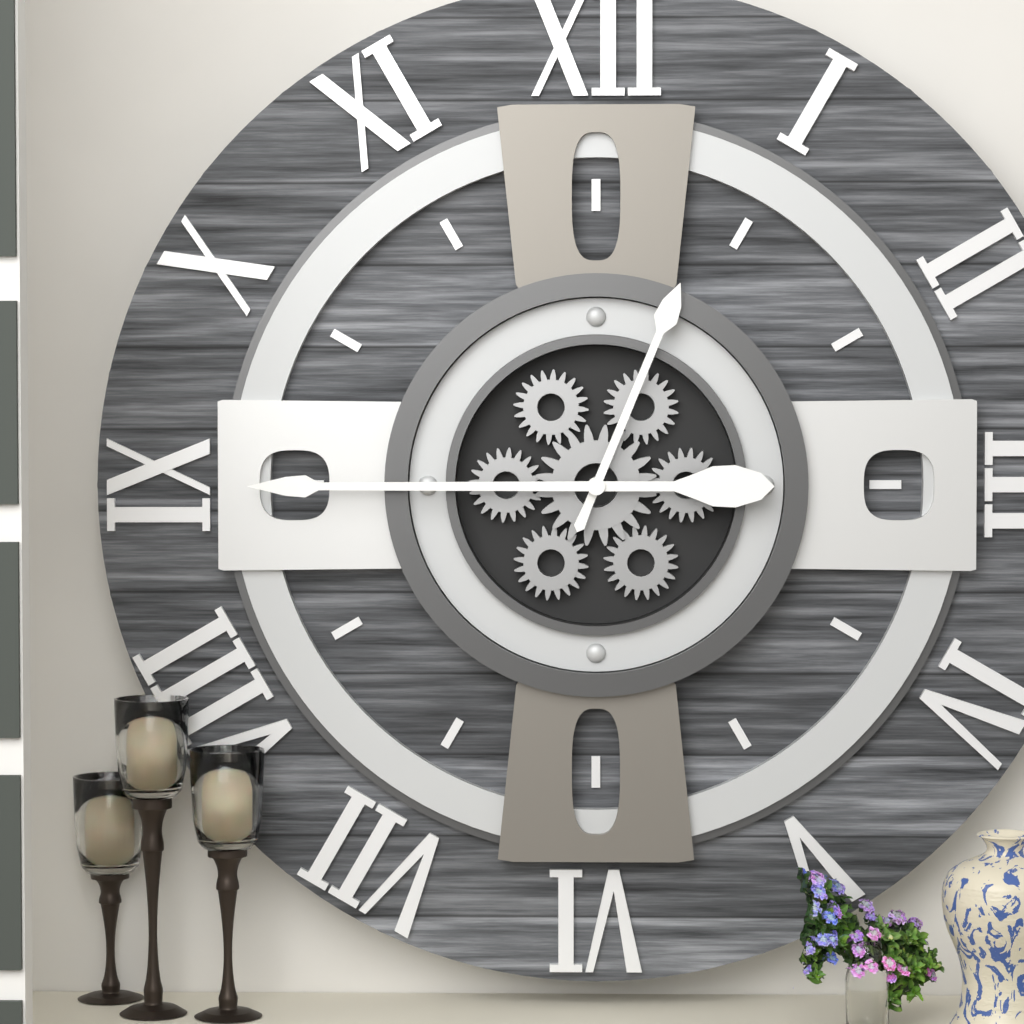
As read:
12.45
